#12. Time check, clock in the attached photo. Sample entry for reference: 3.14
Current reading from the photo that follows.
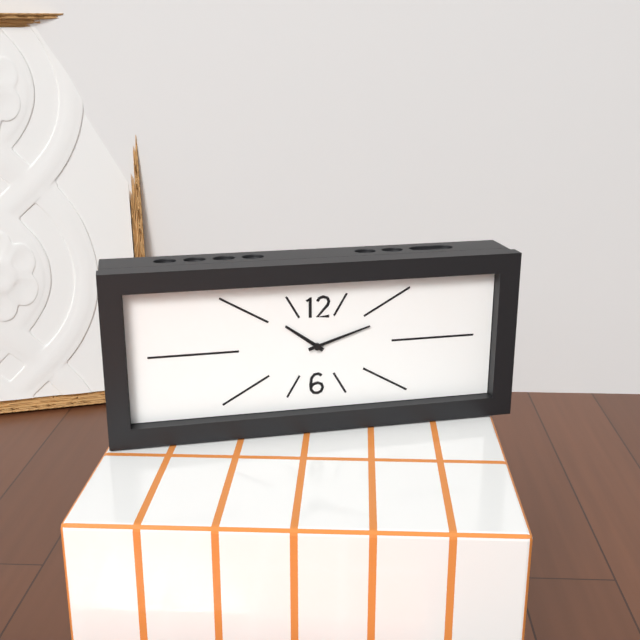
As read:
10.12
